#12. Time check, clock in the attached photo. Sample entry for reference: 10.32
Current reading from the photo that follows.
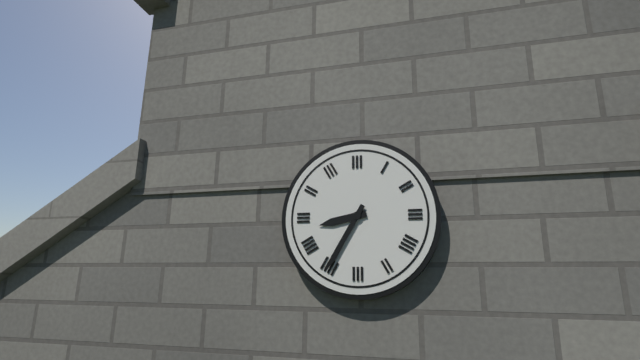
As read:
8.35
